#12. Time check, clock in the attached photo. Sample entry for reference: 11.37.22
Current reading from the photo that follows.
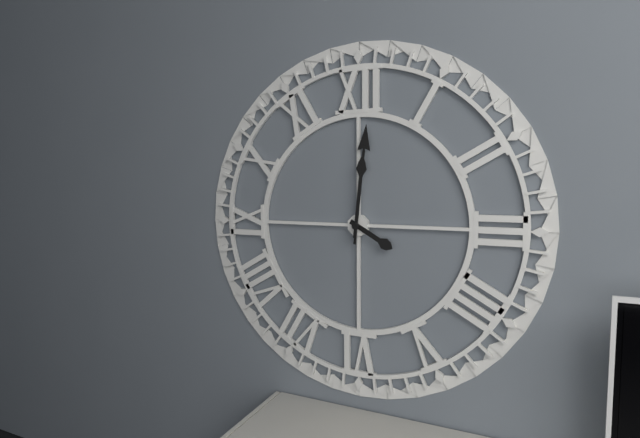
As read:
4.01.01
